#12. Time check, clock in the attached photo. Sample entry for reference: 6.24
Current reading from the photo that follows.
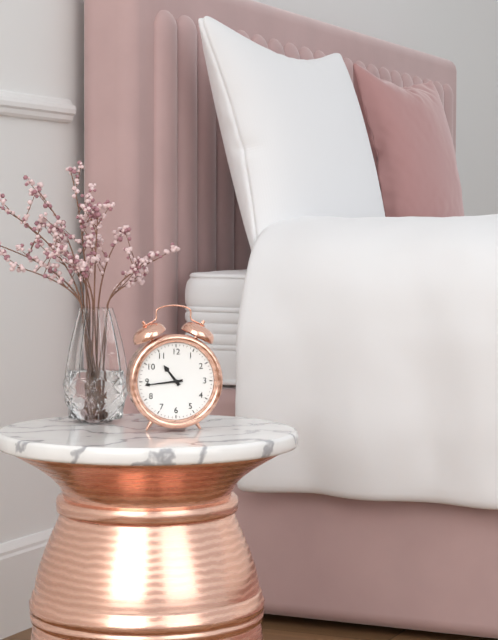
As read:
10.44
